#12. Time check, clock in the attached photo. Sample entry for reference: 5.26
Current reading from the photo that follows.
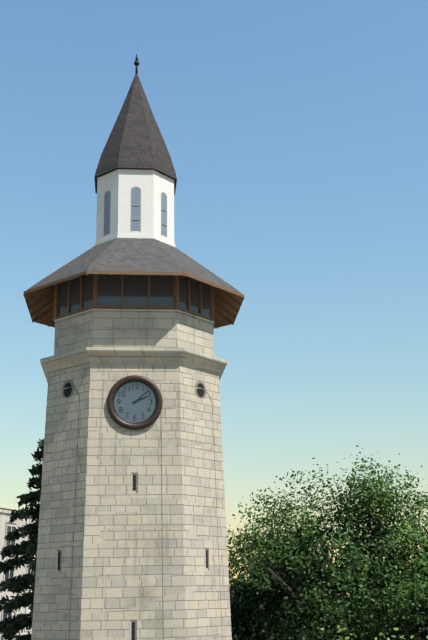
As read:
2.08
